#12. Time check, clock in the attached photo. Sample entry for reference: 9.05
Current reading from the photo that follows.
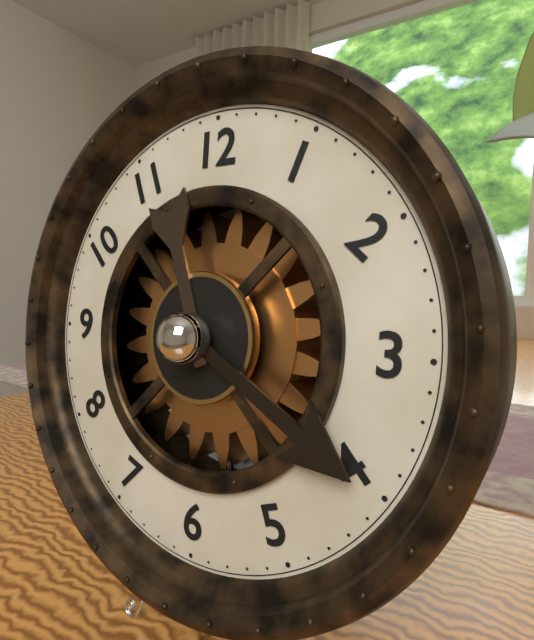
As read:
11.20
